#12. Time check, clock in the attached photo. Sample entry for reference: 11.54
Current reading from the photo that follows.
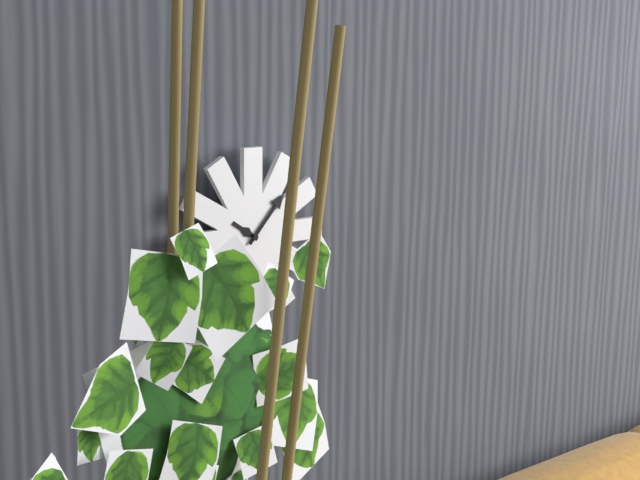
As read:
10.07
